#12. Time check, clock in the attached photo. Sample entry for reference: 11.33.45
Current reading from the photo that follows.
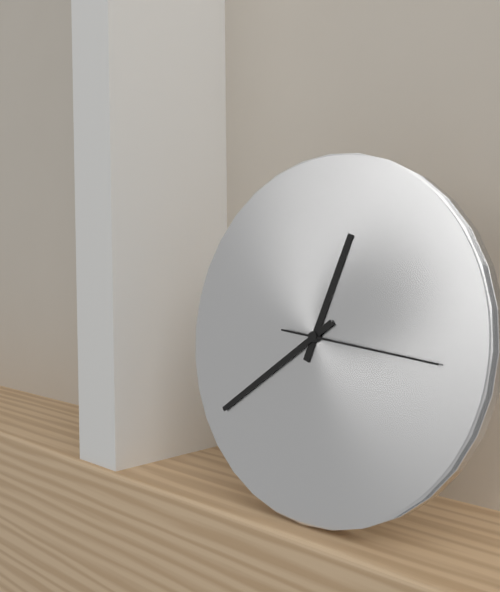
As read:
12.39.16
